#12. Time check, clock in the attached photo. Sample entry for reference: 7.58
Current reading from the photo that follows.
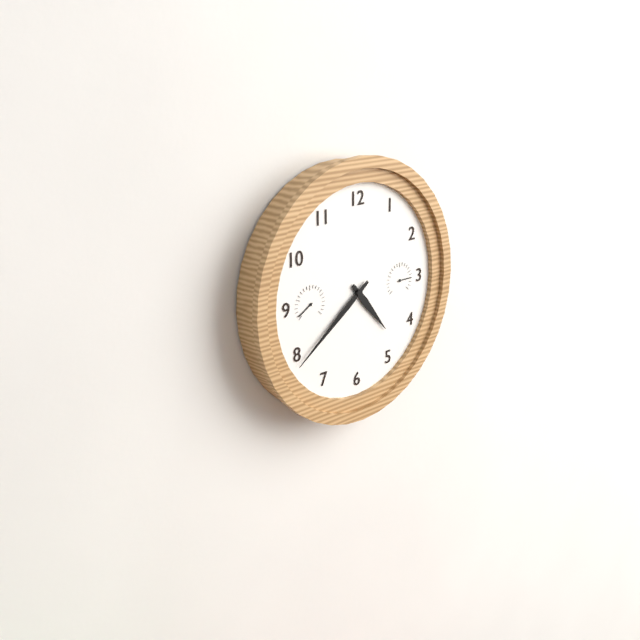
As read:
4.39
